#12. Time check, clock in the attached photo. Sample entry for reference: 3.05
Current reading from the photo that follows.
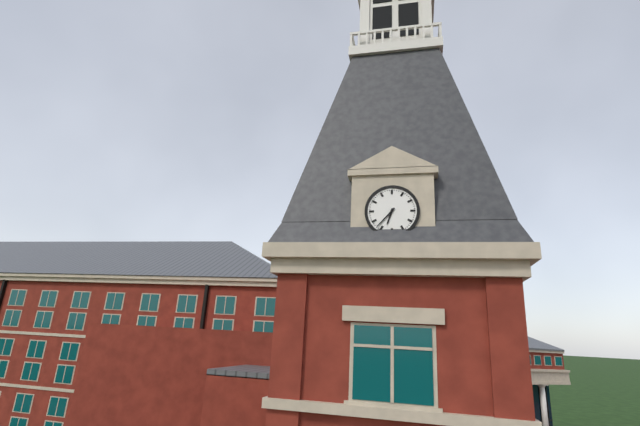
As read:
6.37
